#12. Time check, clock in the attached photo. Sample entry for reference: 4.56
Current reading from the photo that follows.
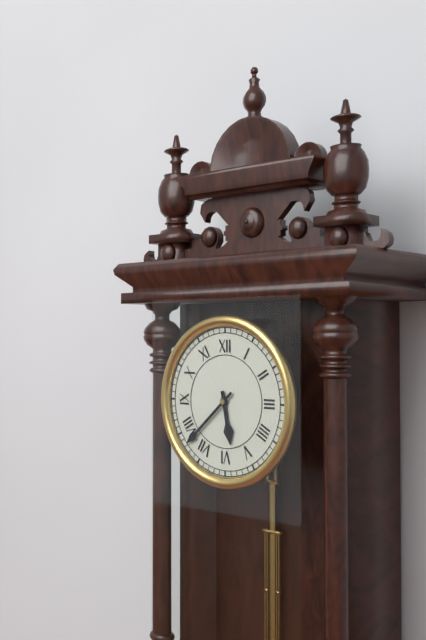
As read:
5.38
